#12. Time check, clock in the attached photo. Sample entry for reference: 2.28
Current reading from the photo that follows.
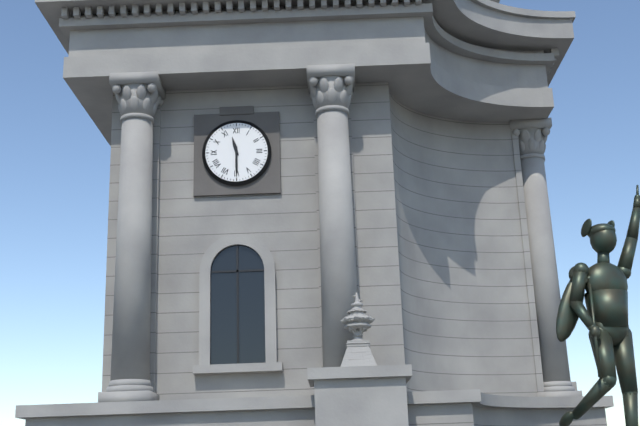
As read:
11.30
